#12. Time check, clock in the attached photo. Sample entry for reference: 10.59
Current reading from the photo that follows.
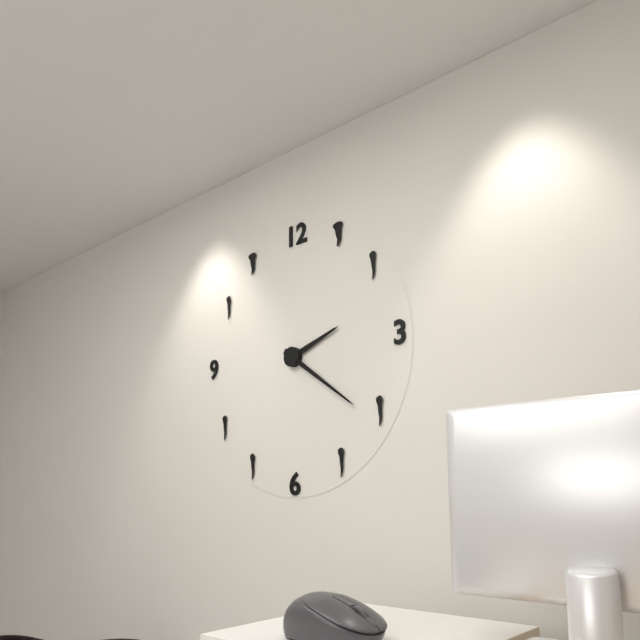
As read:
2.21
